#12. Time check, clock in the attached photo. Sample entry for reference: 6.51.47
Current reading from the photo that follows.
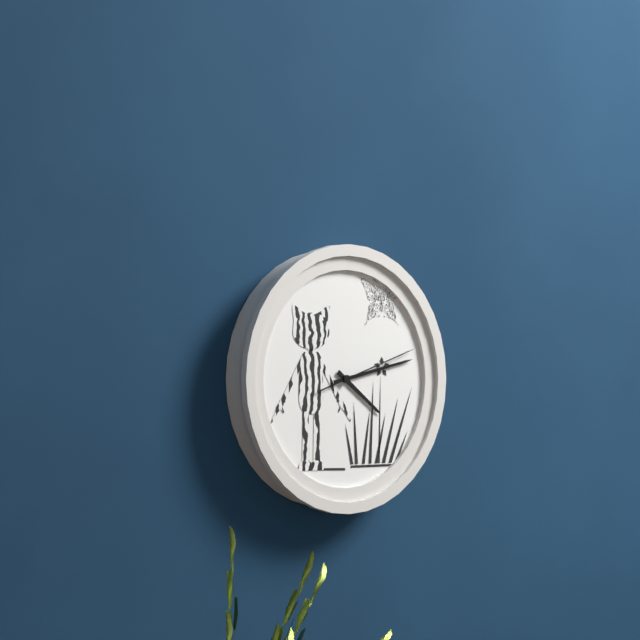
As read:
4.13.12
